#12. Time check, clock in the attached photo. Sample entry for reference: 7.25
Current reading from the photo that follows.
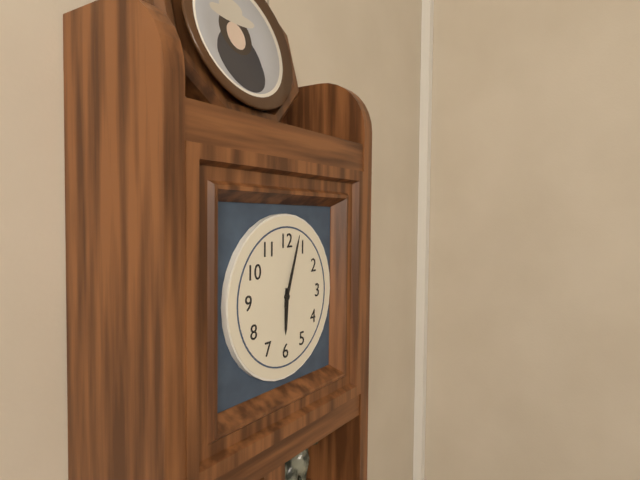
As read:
6.03
